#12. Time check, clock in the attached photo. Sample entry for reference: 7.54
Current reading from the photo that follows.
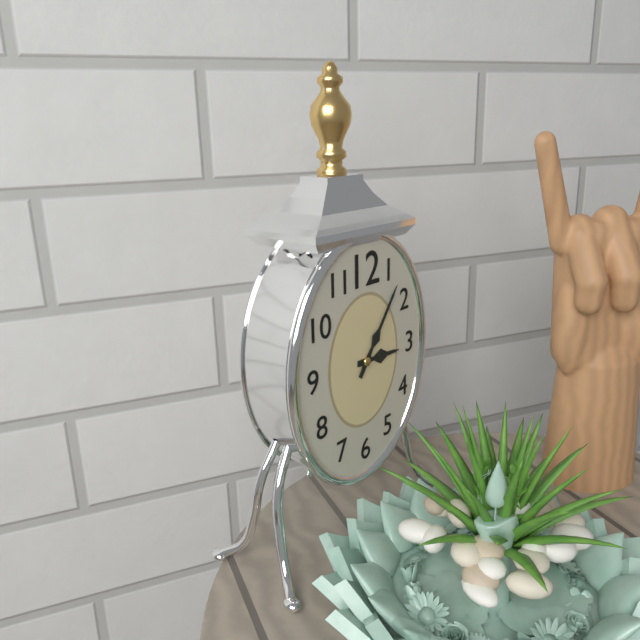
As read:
3.06
